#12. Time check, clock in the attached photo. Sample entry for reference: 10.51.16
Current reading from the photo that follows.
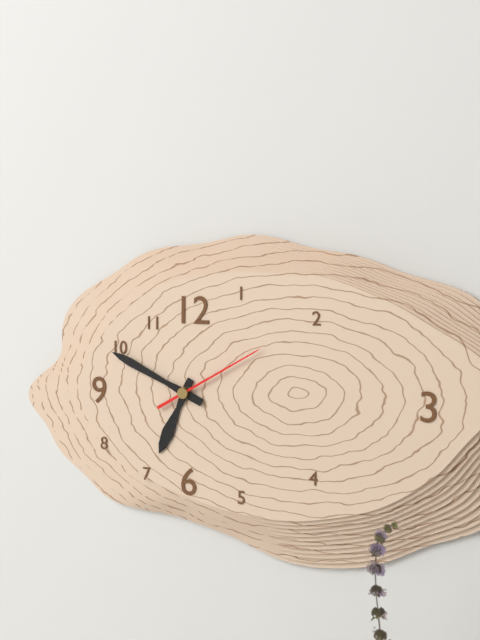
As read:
6.49.10
